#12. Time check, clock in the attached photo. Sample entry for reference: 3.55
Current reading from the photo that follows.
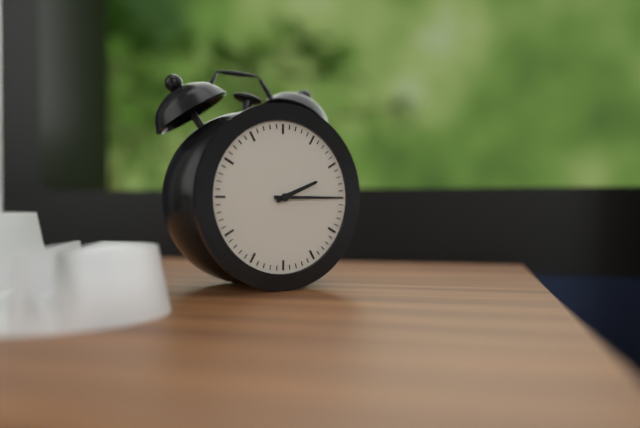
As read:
2.15
